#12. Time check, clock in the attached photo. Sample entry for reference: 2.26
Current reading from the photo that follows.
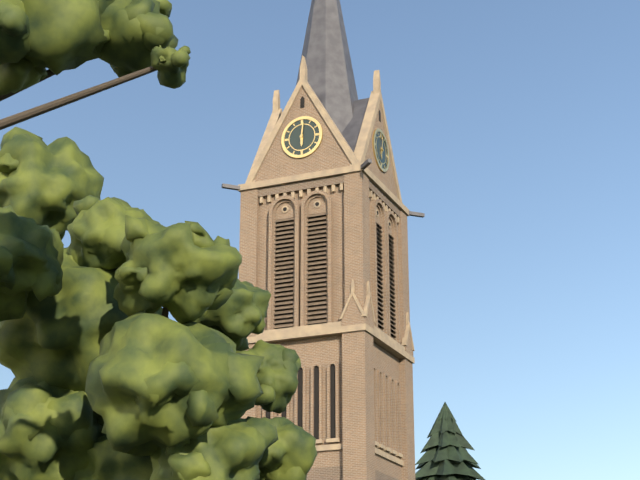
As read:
6.01
